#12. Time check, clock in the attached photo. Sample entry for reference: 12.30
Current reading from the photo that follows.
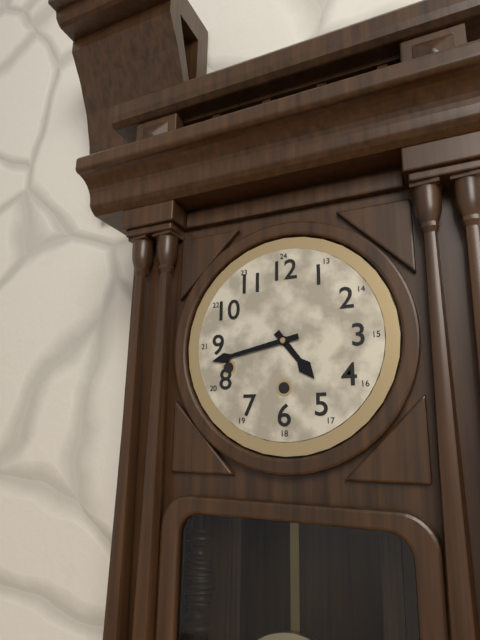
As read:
4.43
